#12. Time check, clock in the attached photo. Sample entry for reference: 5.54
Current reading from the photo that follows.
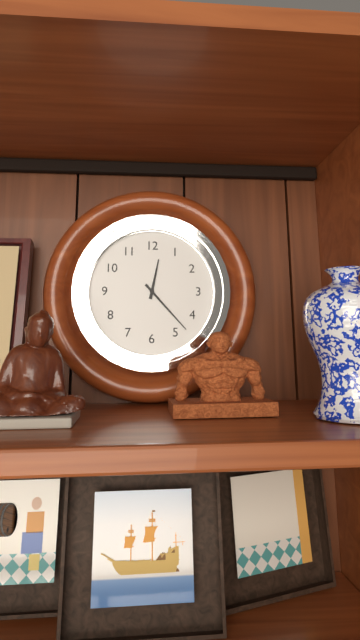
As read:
12.23
